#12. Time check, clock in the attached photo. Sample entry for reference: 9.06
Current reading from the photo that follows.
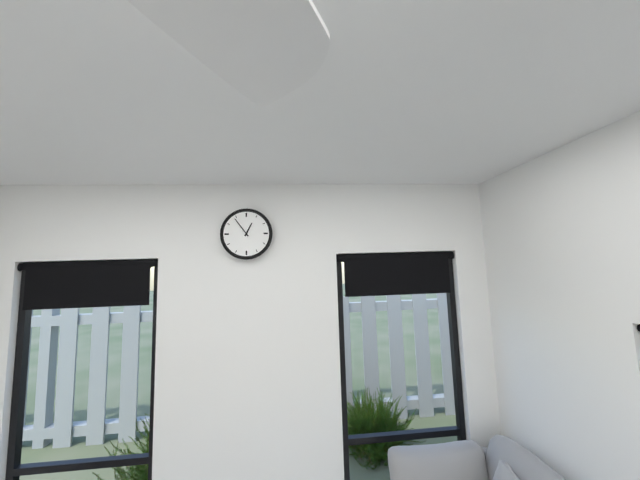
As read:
12.54
